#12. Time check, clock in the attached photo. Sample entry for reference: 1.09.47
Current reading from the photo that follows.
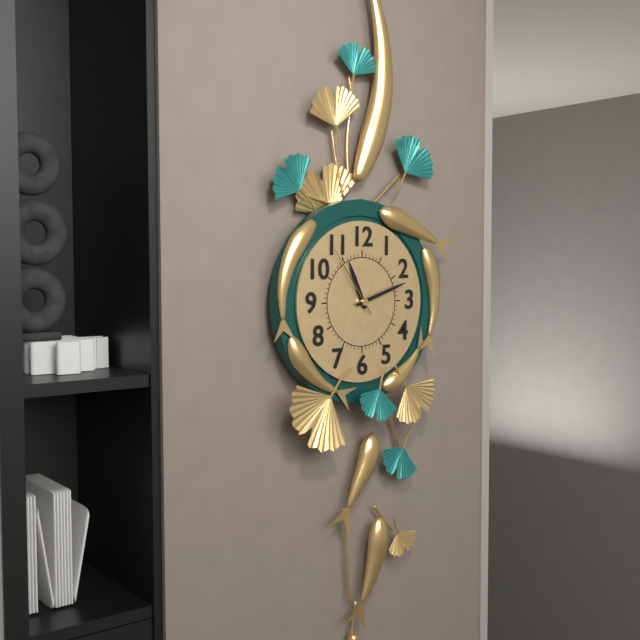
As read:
11.12.54
